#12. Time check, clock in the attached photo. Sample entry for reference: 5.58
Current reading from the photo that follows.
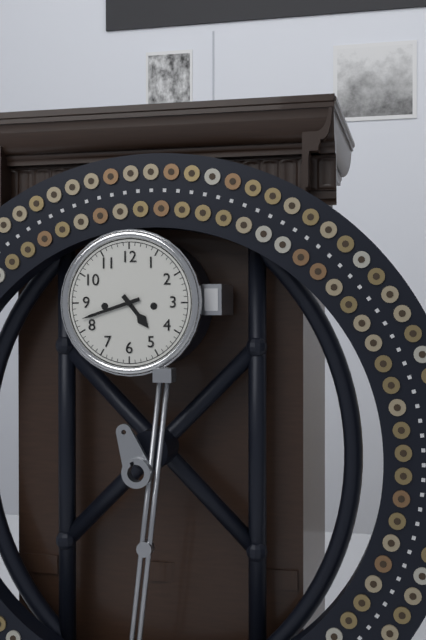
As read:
4.42
